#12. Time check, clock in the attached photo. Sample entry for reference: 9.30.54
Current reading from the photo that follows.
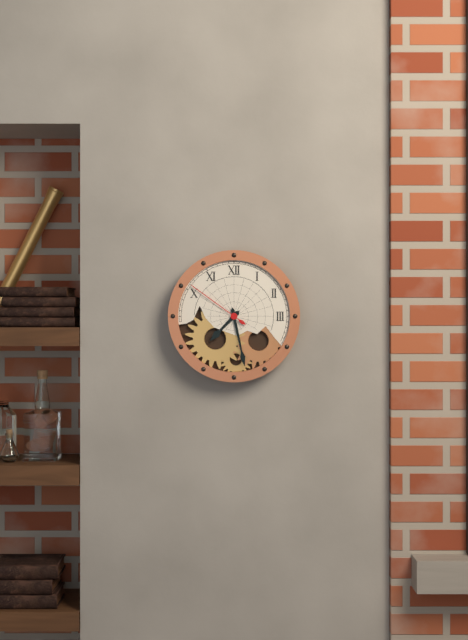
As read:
7.28.51
